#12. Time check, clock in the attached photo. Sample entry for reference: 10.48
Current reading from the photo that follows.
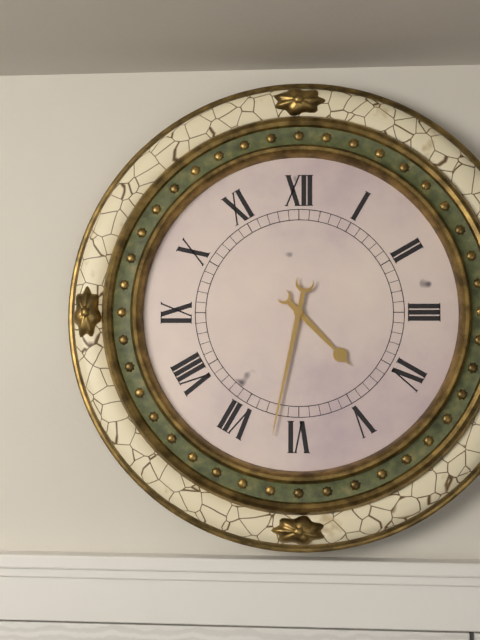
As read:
4.32
